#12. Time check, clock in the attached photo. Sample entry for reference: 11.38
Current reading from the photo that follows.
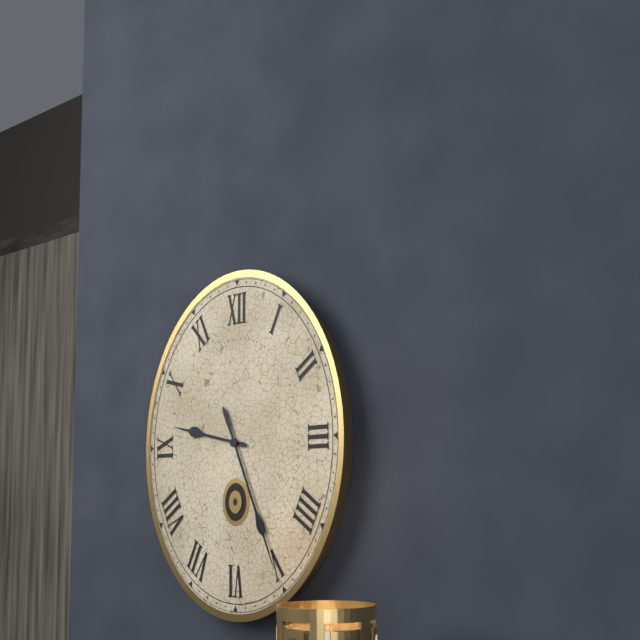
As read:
9.26
